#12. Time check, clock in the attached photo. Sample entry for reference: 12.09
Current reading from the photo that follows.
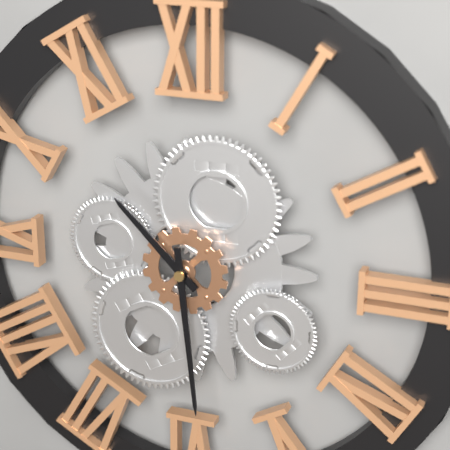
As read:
10.29
